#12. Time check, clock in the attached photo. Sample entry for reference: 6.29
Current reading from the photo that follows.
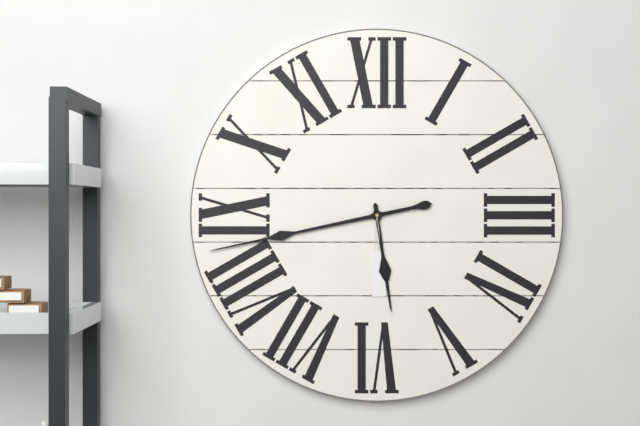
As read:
5.43
